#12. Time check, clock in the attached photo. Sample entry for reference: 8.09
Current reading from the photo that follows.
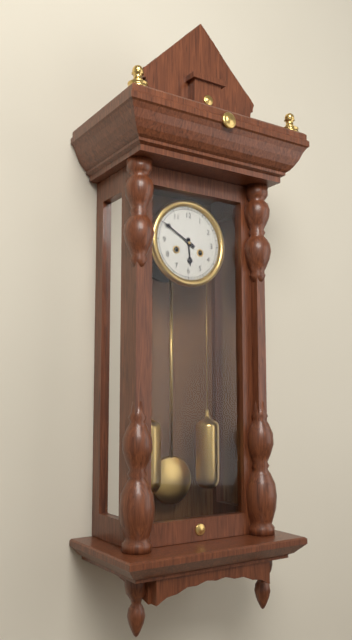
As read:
5.50
